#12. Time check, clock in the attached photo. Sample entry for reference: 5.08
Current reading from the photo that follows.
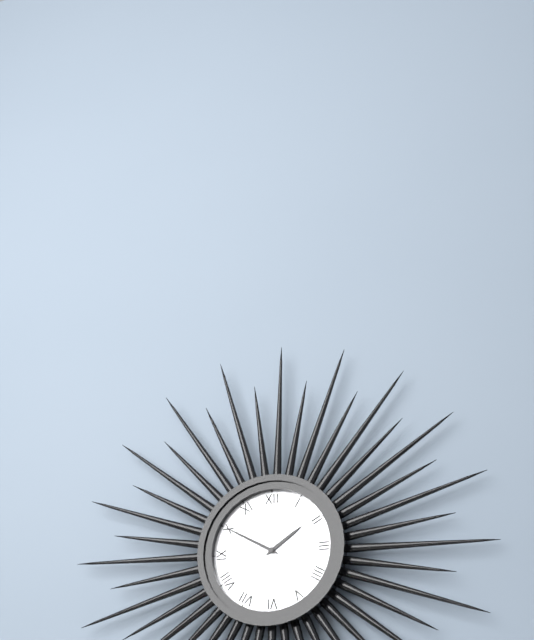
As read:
1.50
